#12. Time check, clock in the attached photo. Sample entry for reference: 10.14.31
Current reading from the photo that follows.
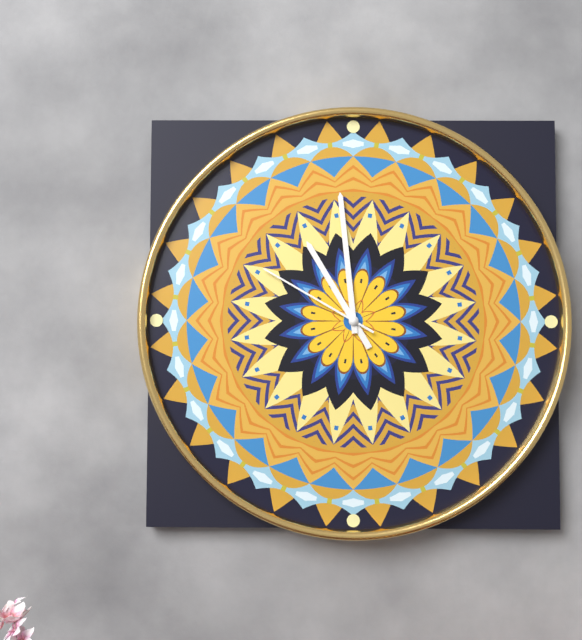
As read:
10.59.50
